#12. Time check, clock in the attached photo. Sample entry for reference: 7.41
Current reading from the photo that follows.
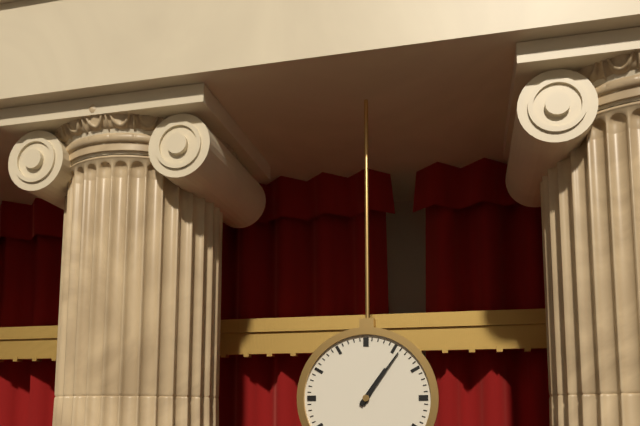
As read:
1.06
